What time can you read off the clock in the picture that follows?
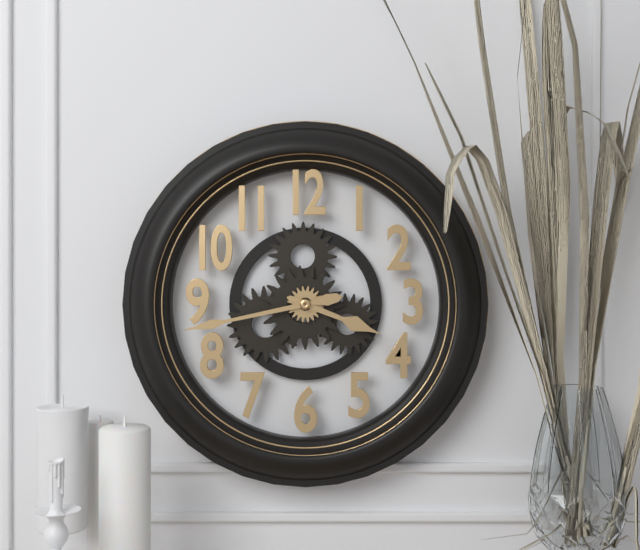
3:43
